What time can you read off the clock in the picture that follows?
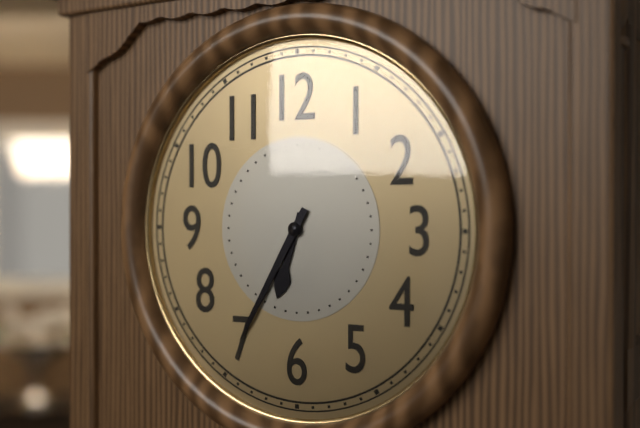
6:35
